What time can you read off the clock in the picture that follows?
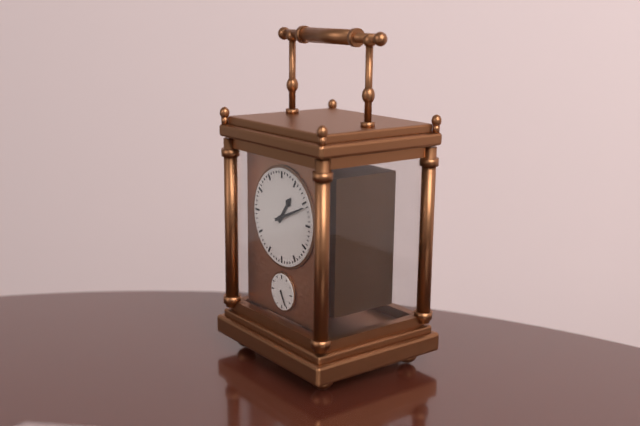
1:11
